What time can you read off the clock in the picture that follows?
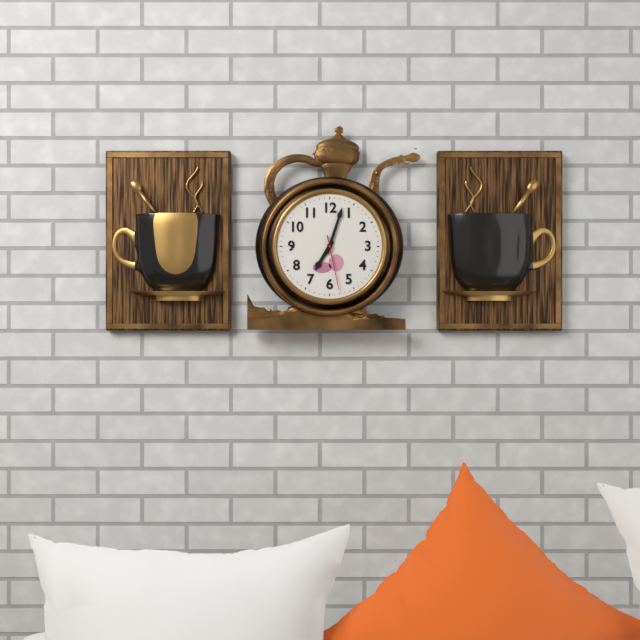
7:03:28
